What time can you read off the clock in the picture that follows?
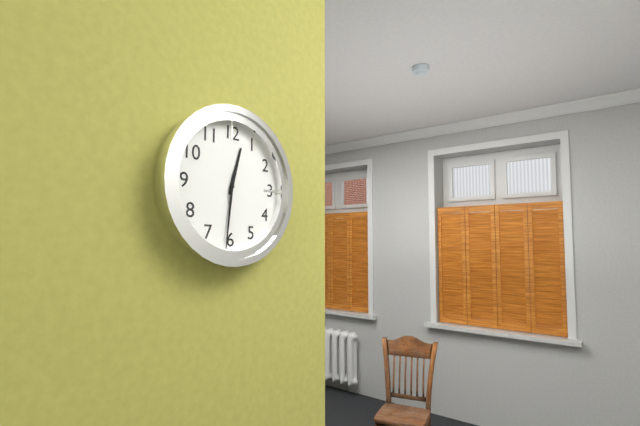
12:31
